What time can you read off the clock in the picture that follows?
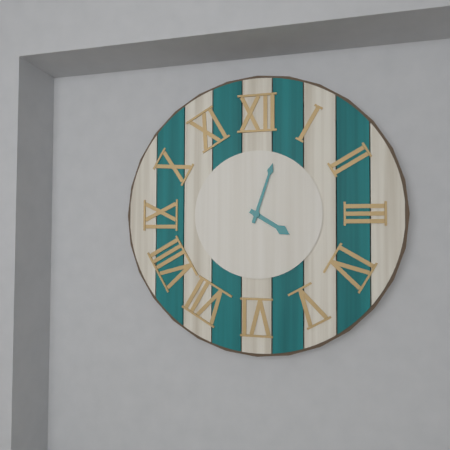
4:03
